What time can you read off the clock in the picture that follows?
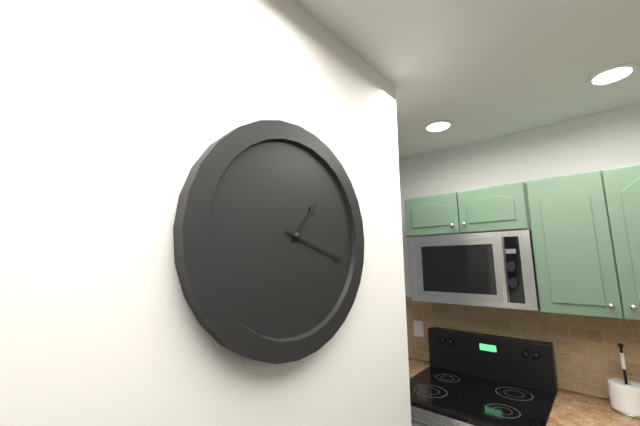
1:18
